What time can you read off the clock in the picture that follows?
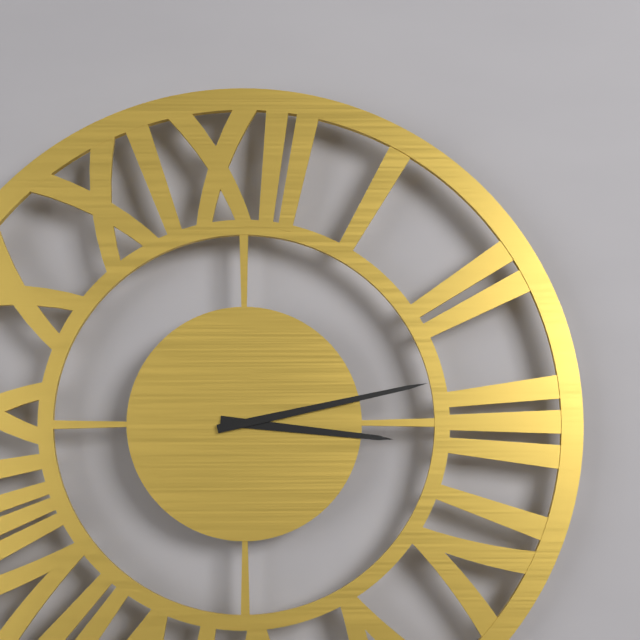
3:13
